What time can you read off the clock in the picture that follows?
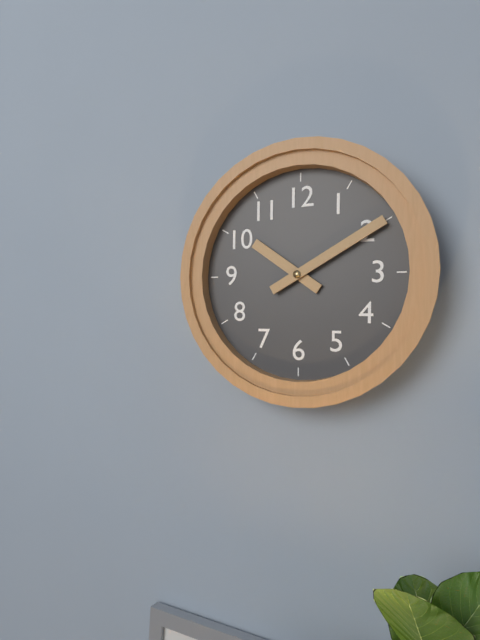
10:10
